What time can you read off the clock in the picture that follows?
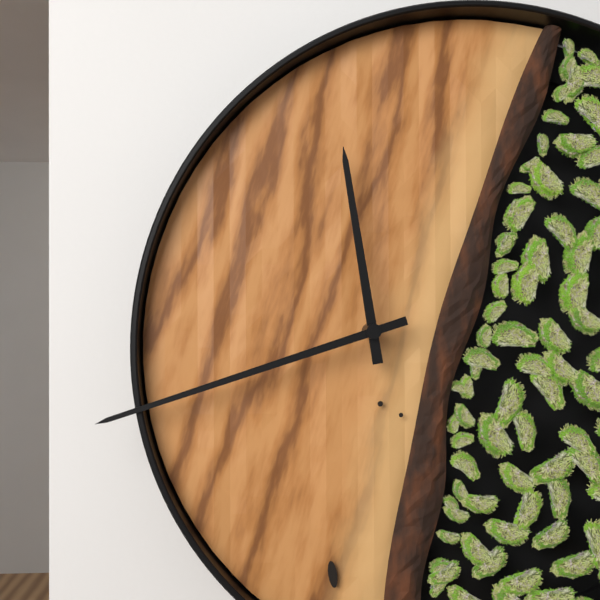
11:42
